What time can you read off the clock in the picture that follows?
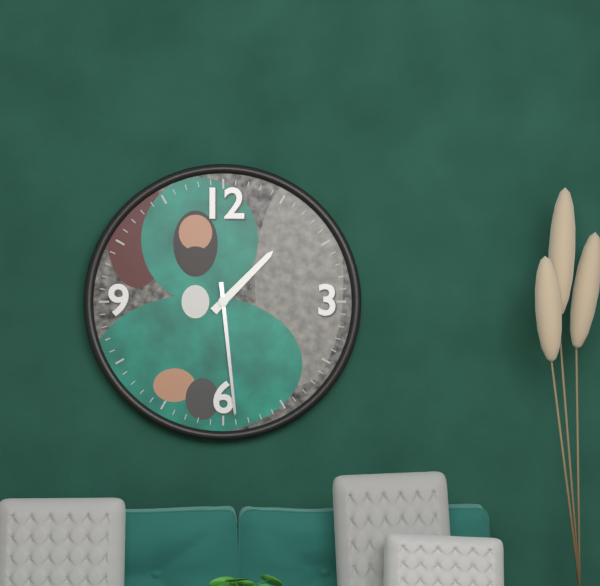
1:29
